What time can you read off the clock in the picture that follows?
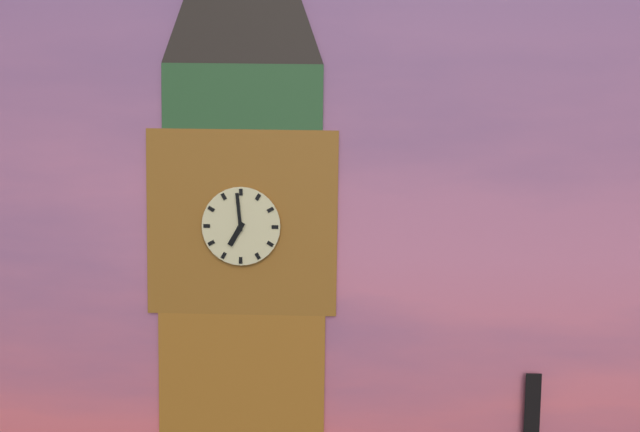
6:59
